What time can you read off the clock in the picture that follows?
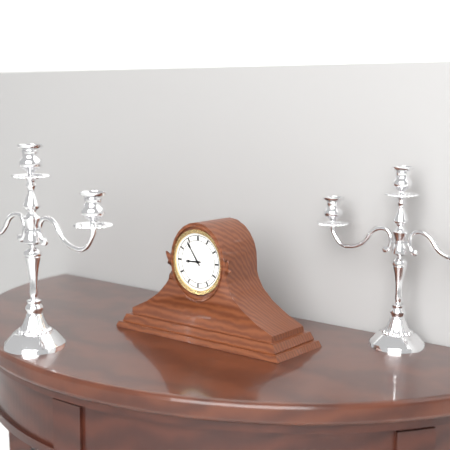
8:54
